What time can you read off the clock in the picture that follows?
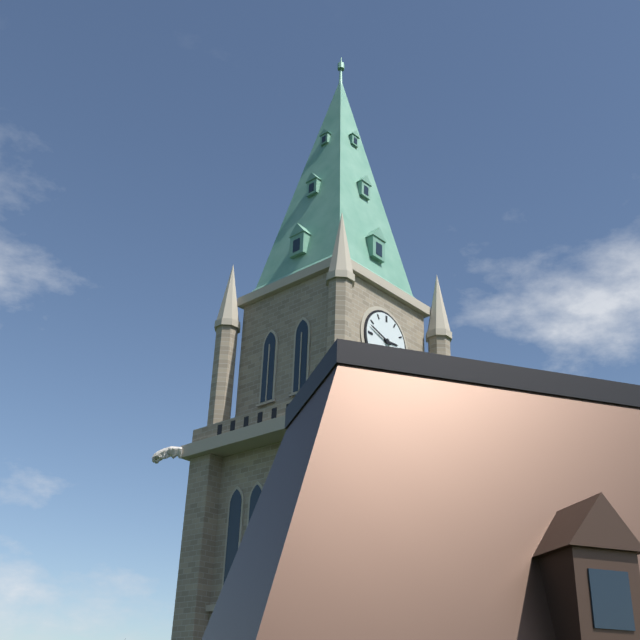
2:48
